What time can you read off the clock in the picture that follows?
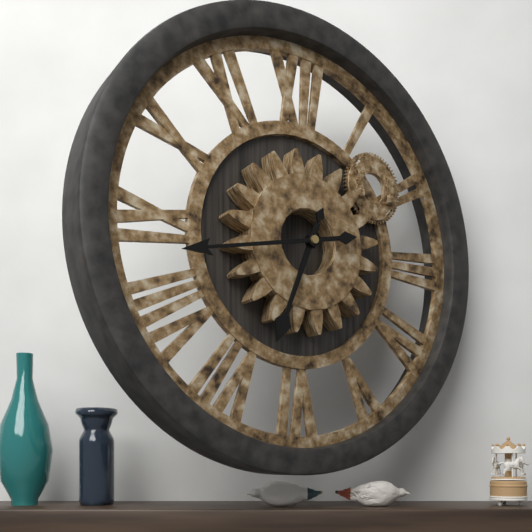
6:43
